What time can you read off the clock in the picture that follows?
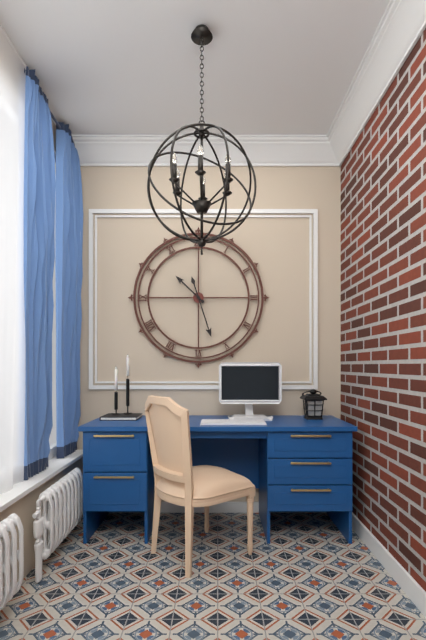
10:27
